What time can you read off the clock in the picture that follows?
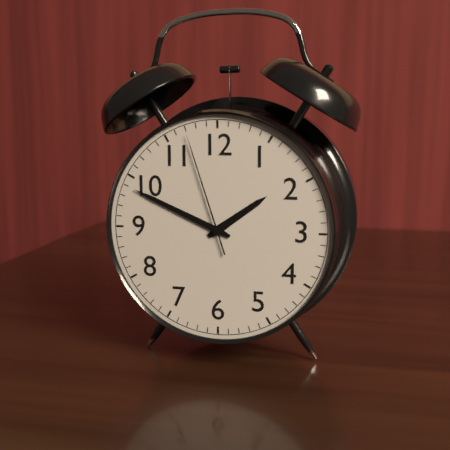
1:49:57
